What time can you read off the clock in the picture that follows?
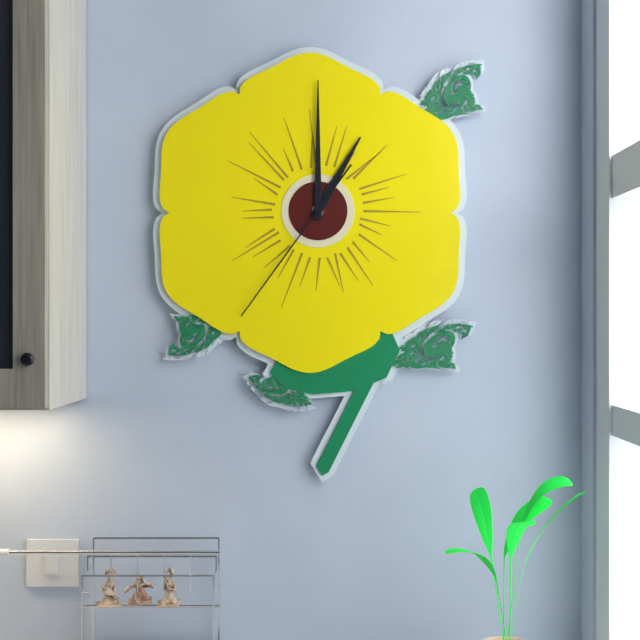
1:00:36
